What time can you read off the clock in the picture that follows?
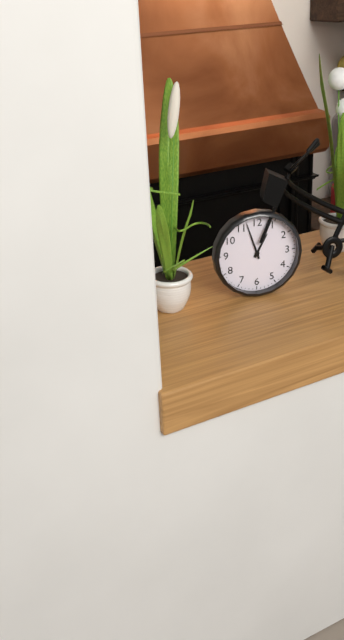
12:57
